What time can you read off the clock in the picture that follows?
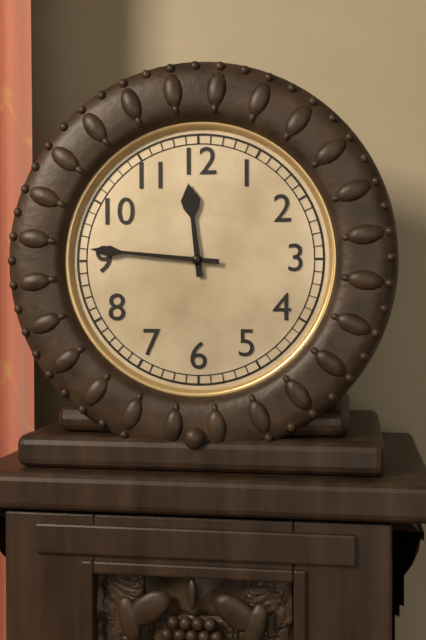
11:46
